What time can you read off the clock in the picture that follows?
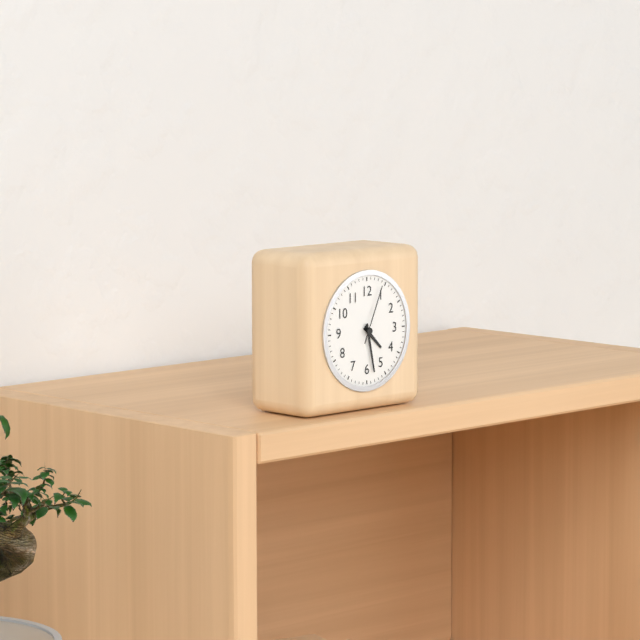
4:28:04
